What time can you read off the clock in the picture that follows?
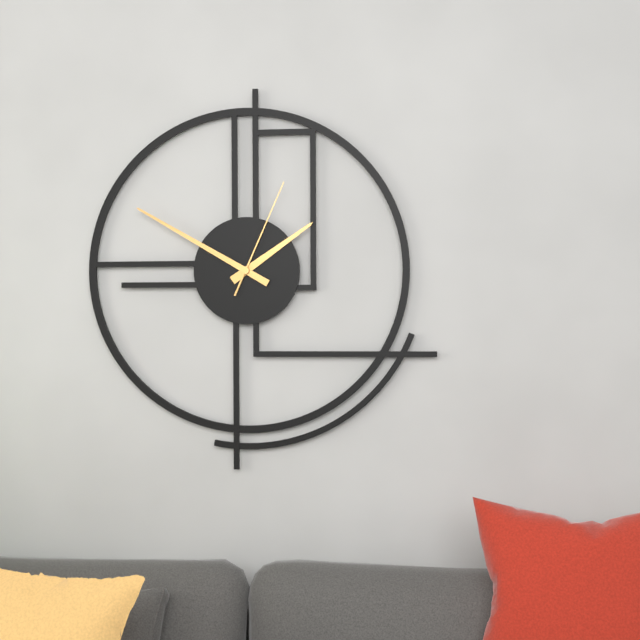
1:50:04
